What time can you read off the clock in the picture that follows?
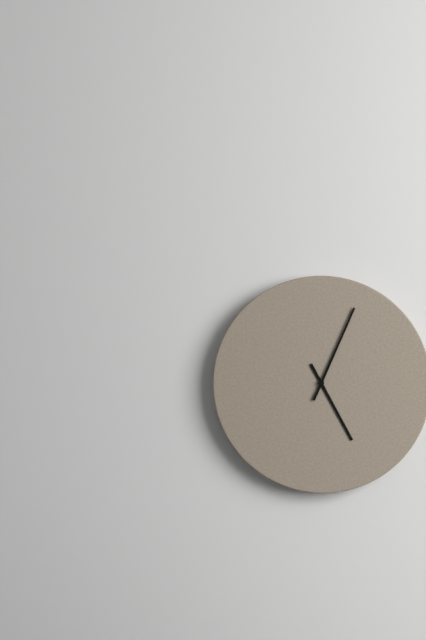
5:04
